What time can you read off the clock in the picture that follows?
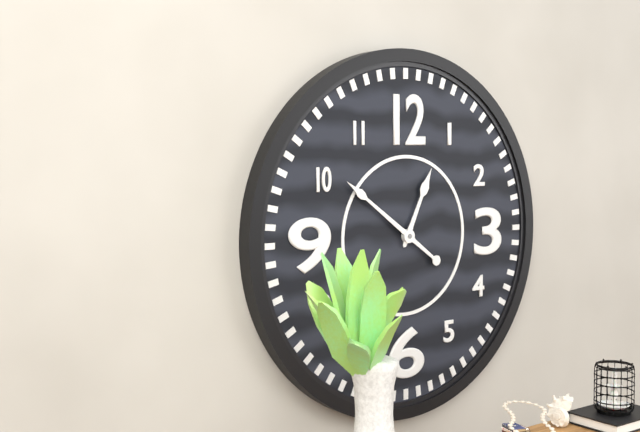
12:51
